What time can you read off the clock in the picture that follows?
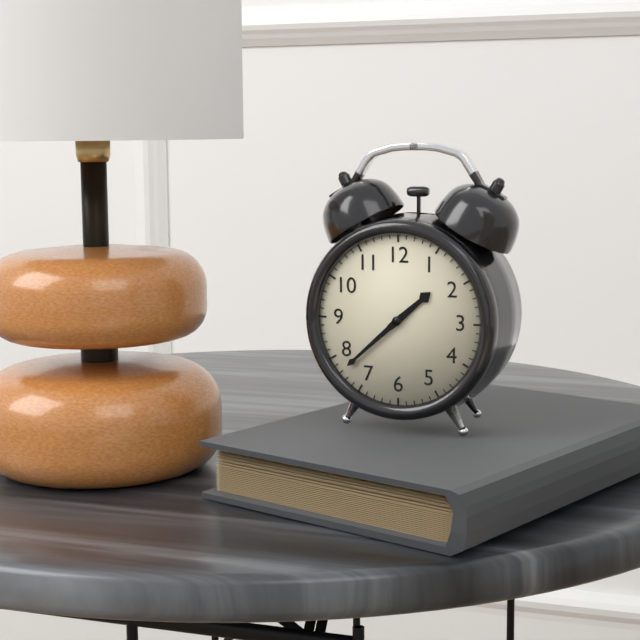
1:38
